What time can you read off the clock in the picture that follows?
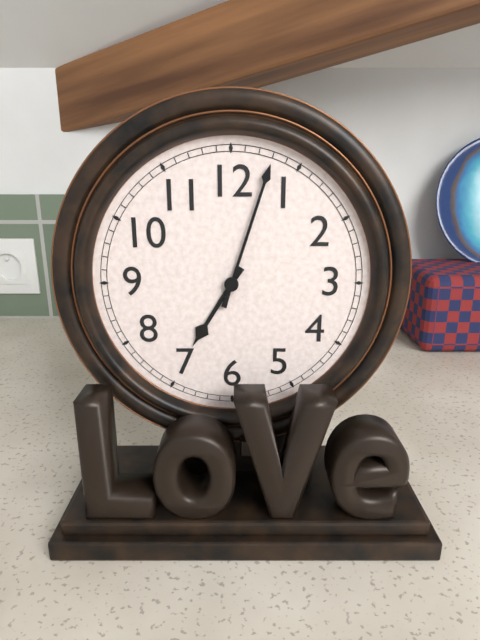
7:03
